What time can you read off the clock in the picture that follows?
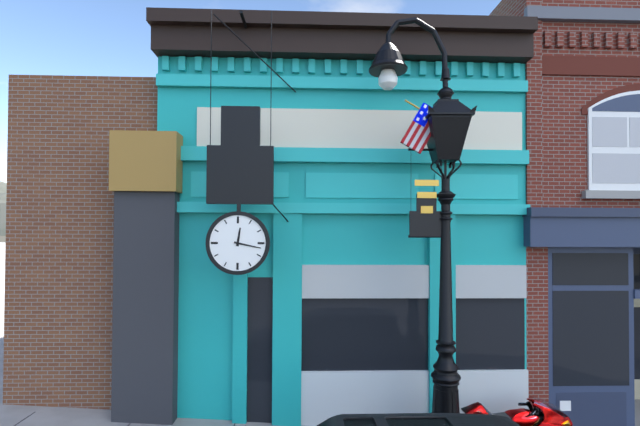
12:17
